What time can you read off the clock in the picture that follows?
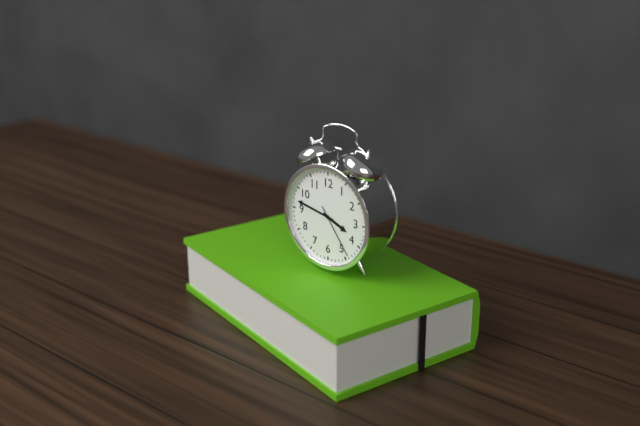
3:47:24
